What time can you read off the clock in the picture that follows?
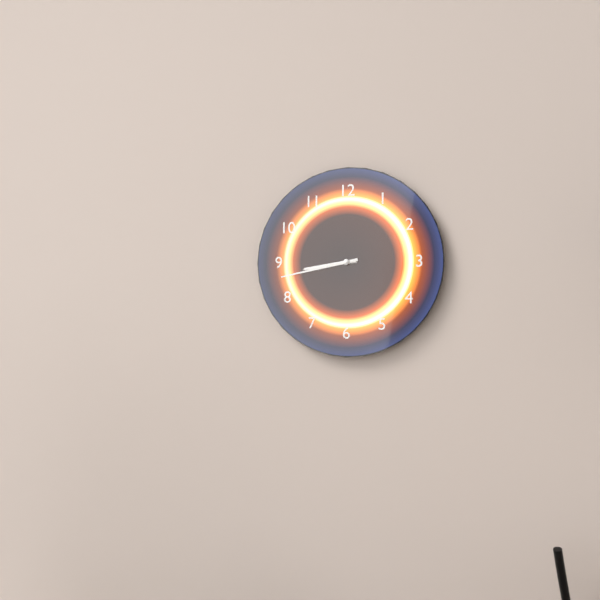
8:43
